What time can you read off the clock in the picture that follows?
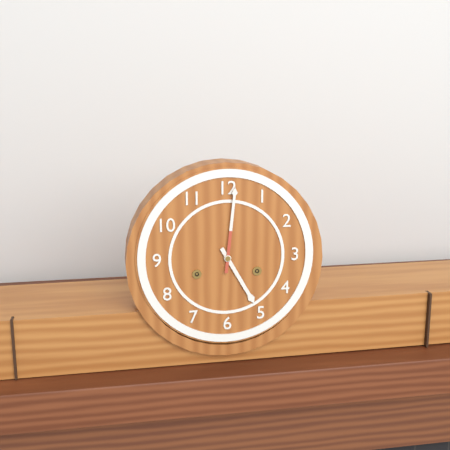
5:01
